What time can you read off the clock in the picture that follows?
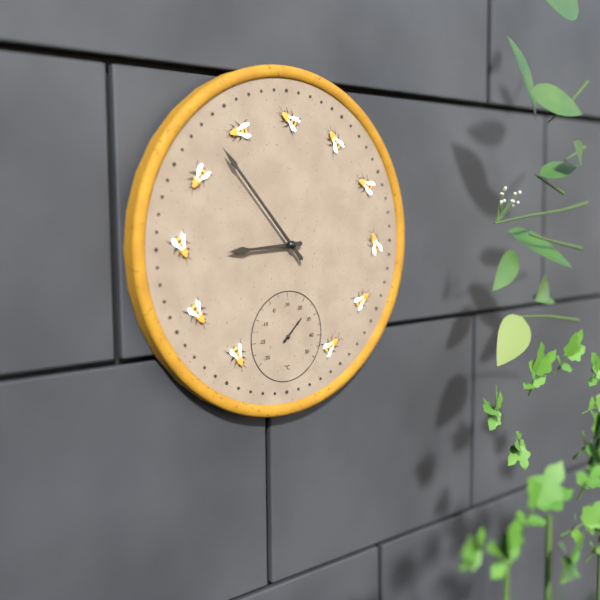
8:53
